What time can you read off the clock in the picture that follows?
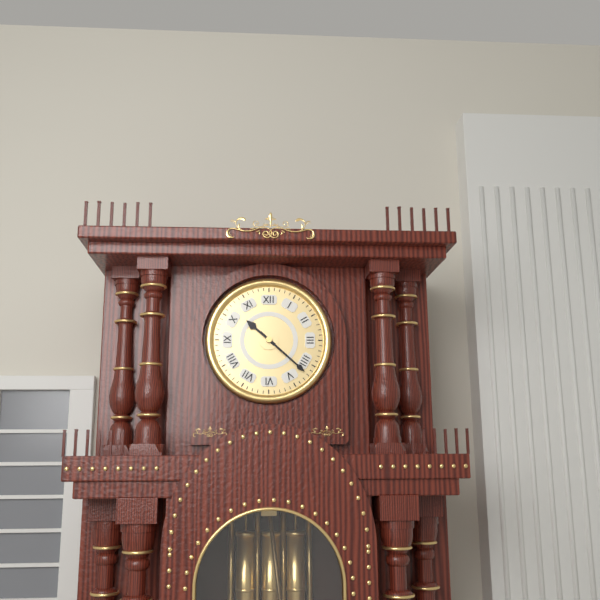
10:22
